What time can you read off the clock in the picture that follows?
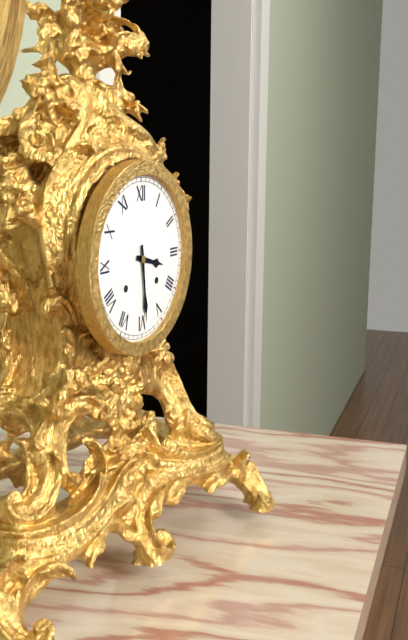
3:29
